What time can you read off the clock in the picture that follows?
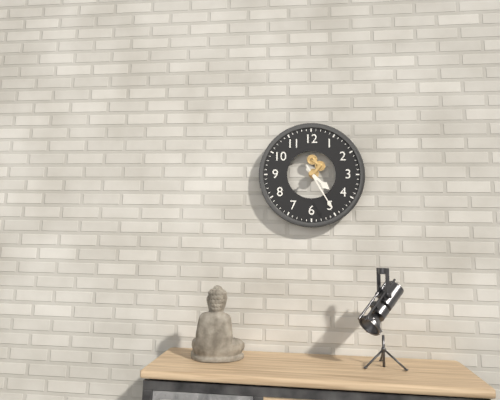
4:25
